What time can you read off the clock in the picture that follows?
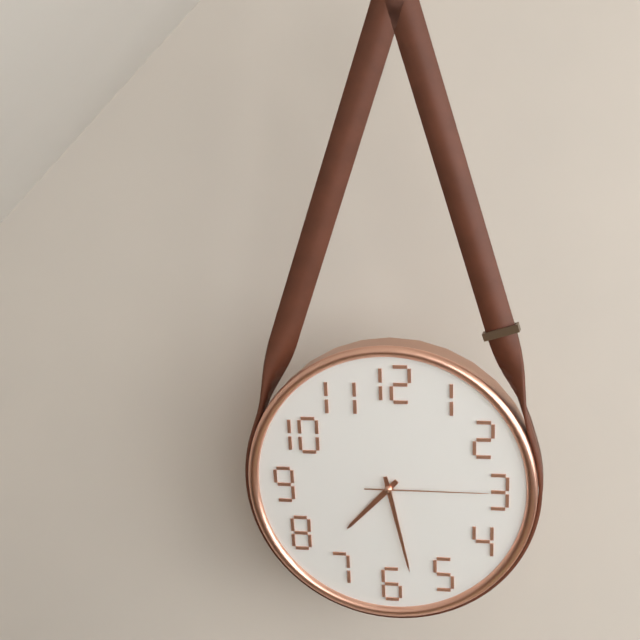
7:28:15
